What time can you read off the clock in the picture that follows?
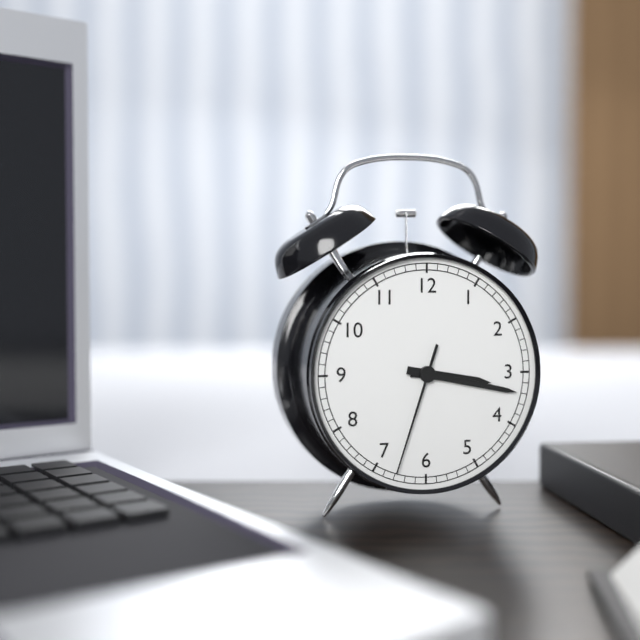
3:17:33
